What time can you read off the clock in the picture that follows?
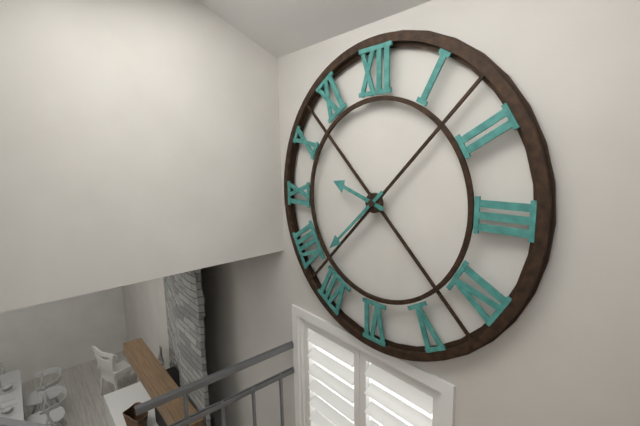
9:38
